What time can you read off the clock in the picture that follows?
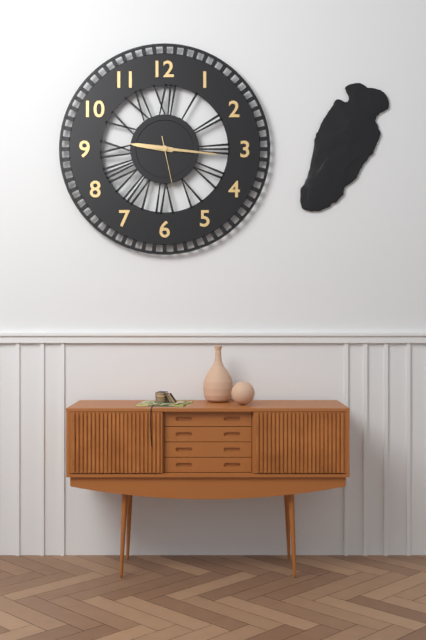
9:16:28
